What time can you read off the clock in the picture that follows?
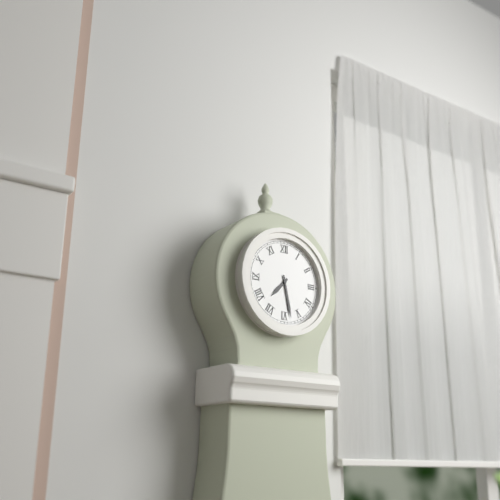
7:28
